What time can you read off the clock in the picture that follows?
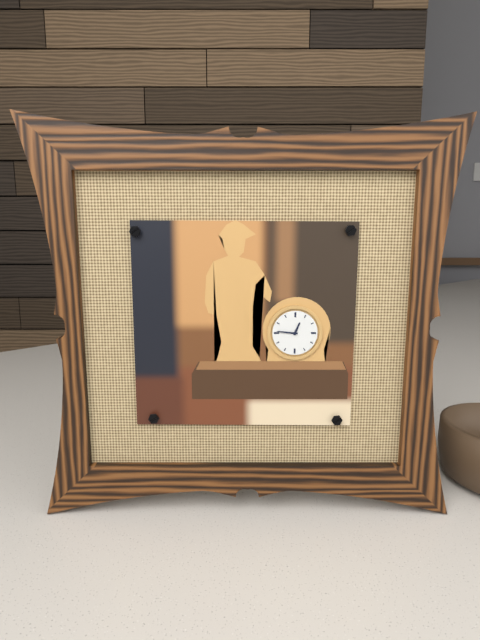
12:46
